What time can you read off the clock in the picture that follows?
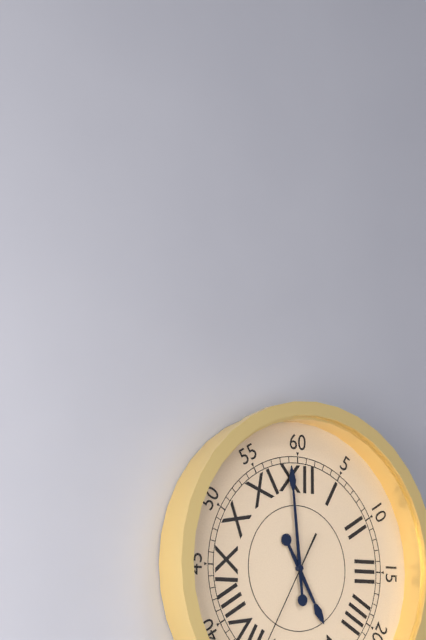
4:59
